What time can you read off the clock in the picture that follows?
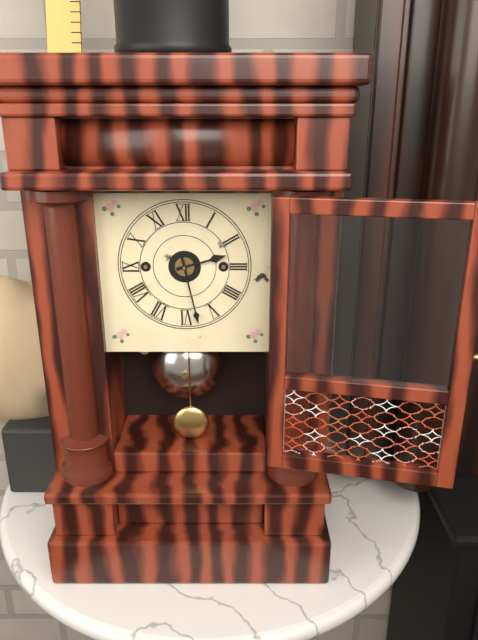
2:28
